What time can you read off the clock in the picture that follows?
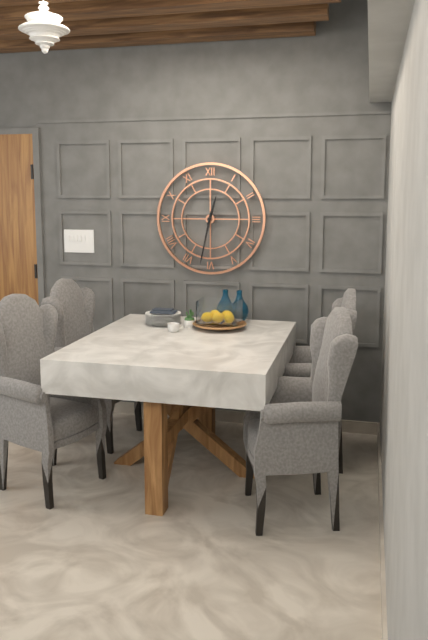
12:32
